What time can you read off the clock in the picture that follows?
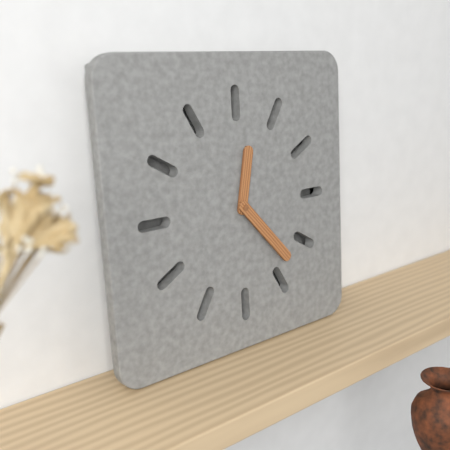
12:23
